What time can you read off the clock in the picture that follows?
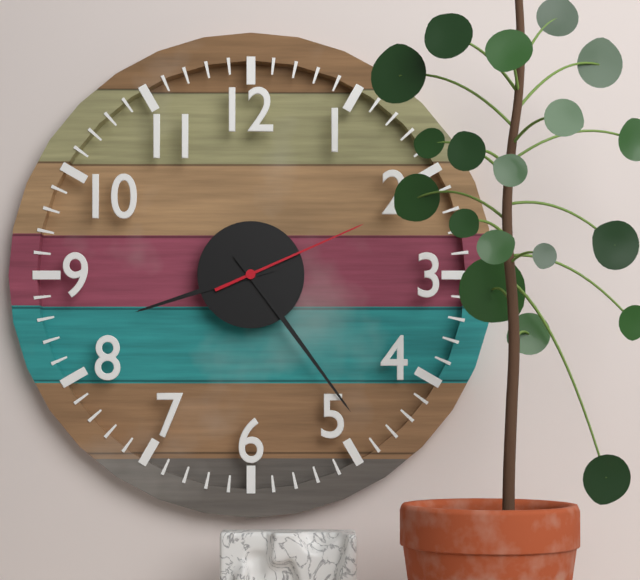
8:24:11
